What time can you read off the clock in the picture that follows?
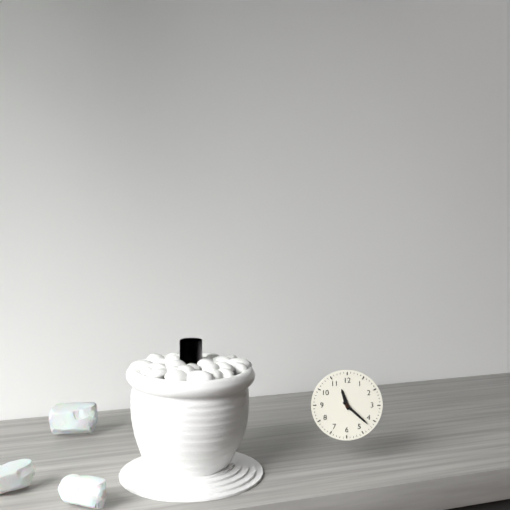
11:22
